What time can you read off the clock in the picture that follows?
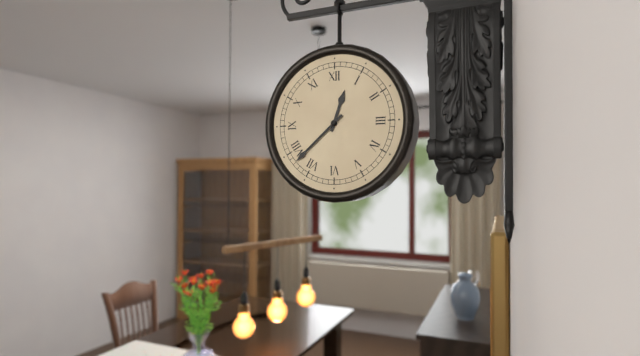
12:38
